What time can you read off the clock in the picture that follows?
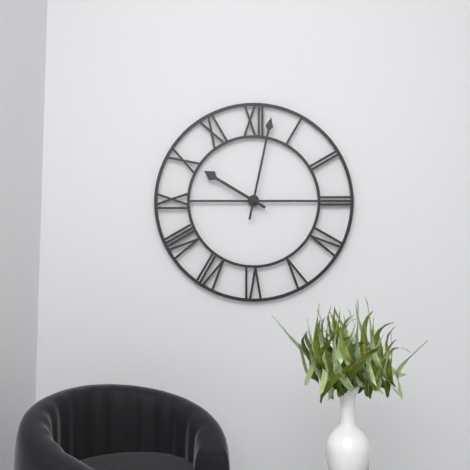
10:02
